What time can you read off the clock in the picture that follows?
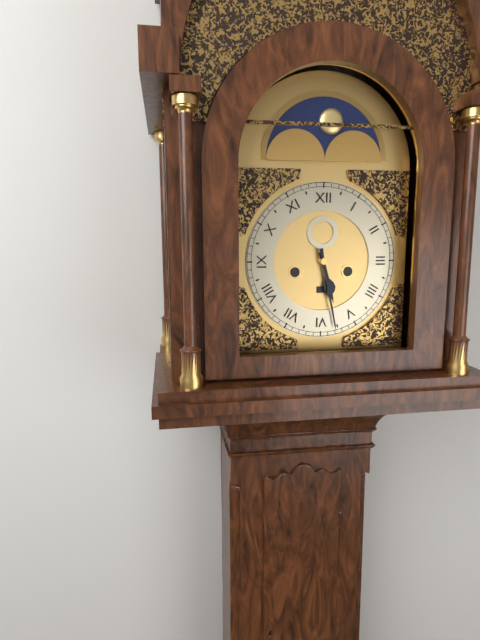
5:28
